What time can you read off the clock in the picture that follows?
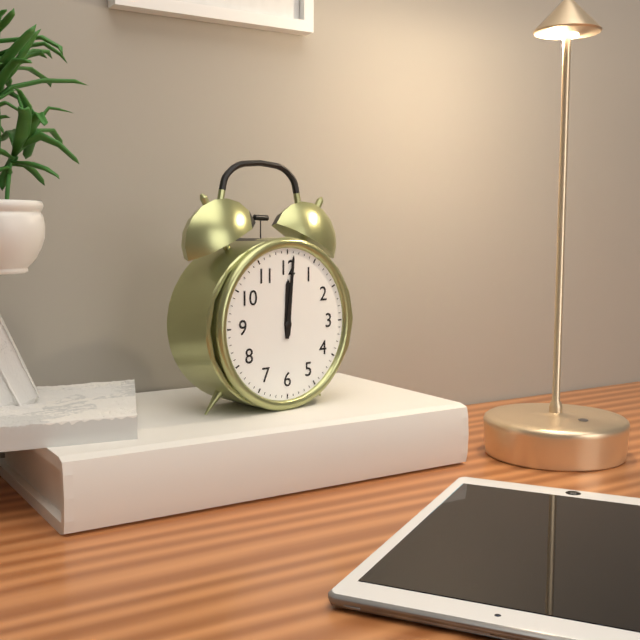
12:01
